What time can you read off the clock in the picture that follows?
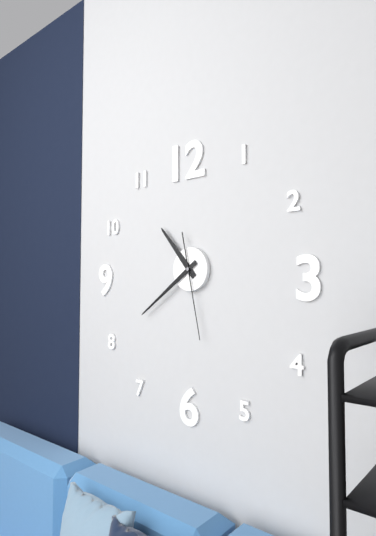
10:39:28
